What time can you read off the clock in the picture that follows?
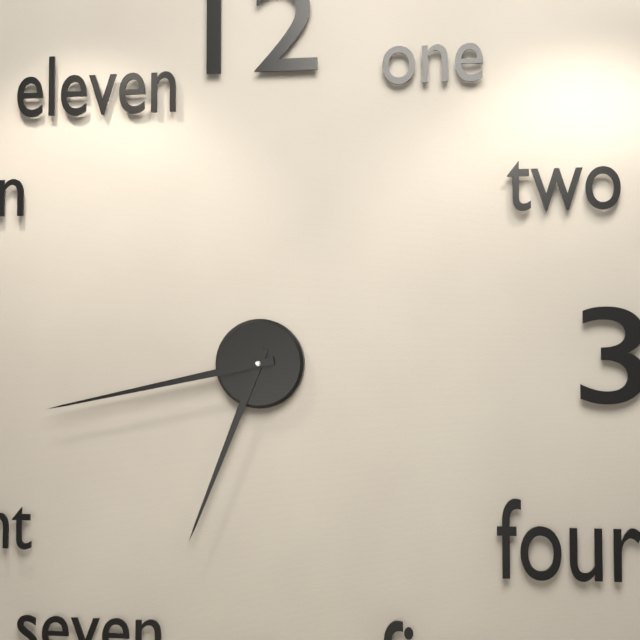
6:43
